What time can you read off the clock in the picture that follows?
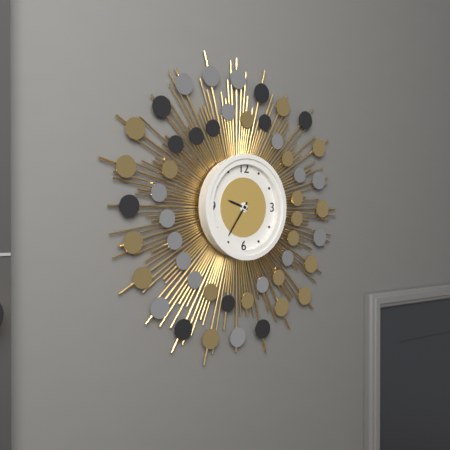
9:36
